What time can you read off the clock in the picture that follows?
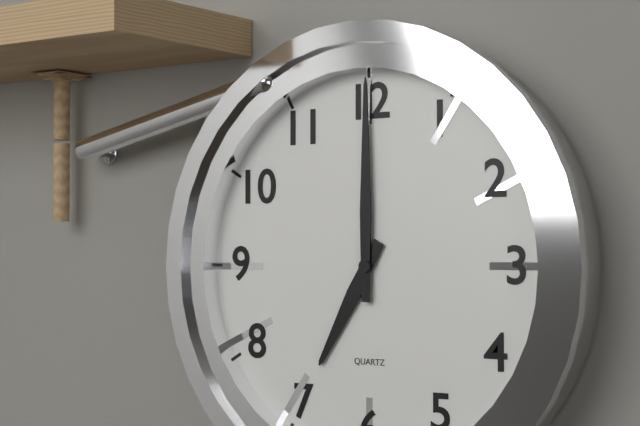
7:00
